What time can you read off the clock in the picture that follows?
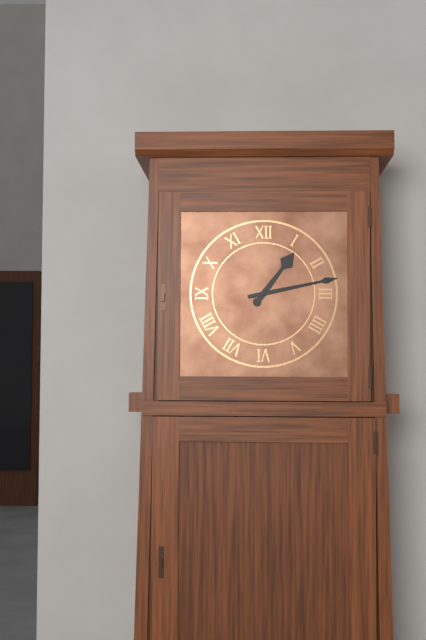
1:13
